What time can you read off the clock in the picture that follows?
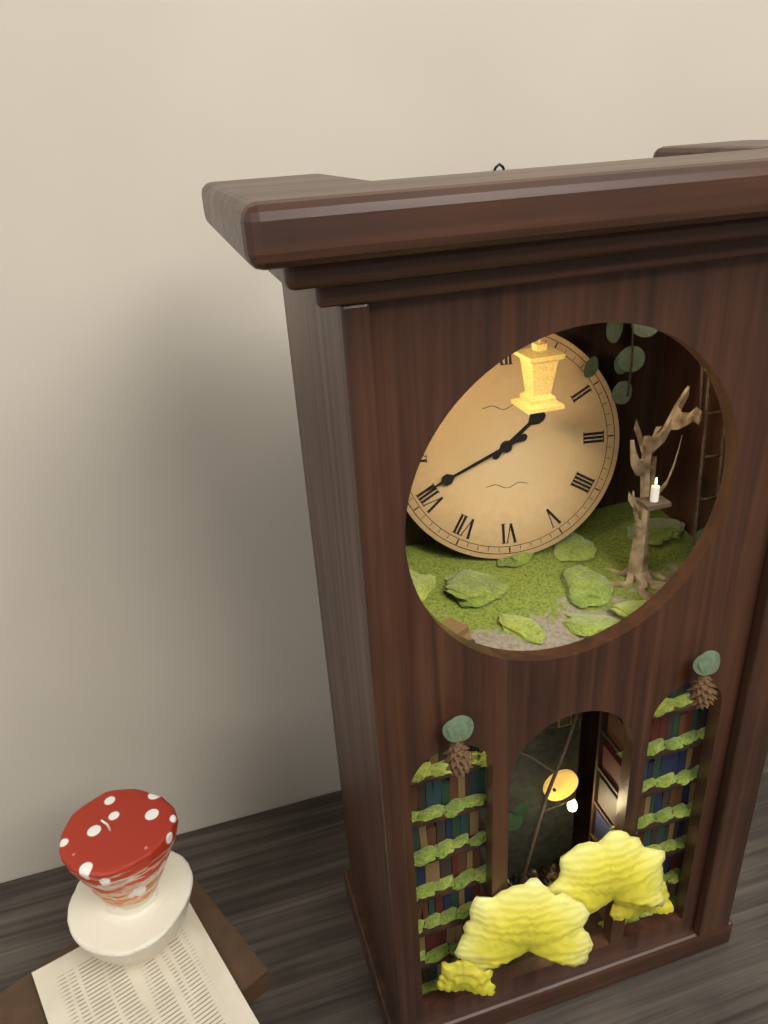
1:41
